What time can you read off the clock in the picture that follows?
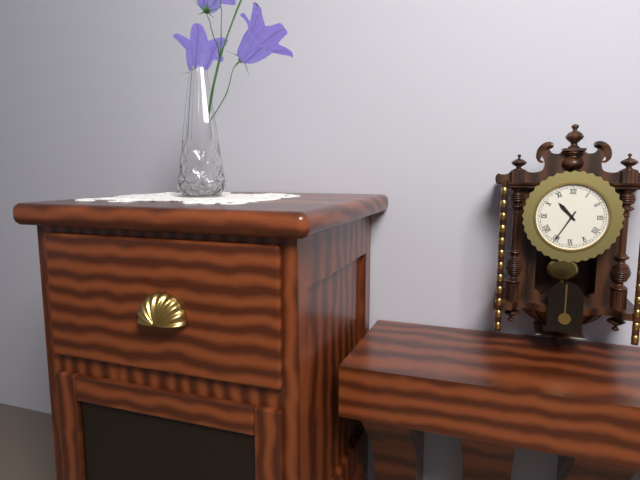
10:35
